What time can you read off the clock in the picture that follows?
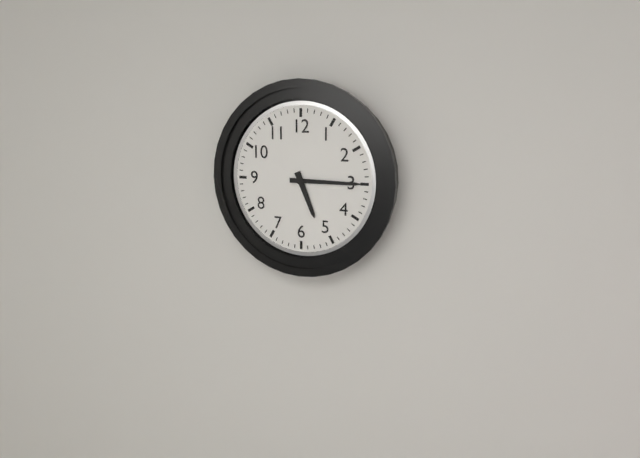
5:15
